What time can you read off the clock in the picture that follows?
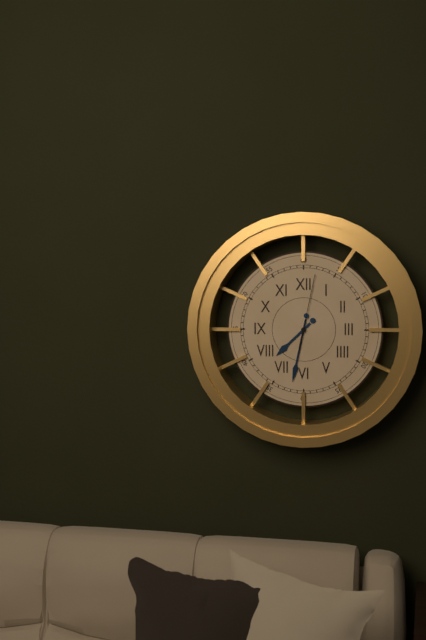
7:32:02
